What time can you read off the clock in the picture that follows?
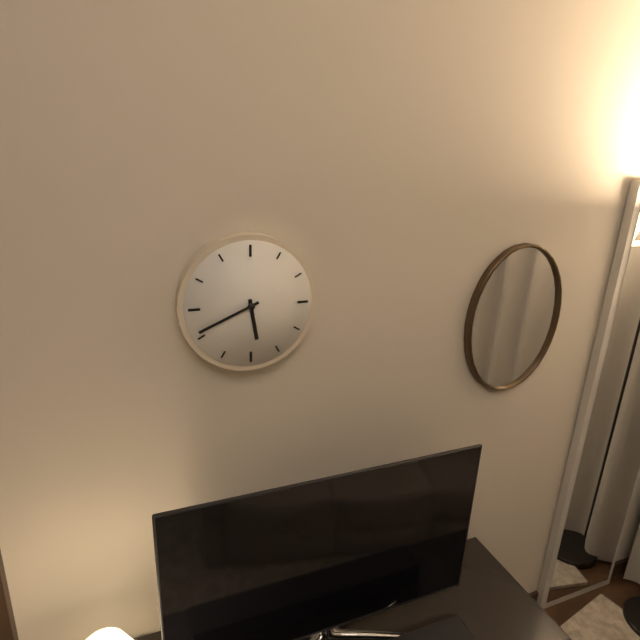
5:41
